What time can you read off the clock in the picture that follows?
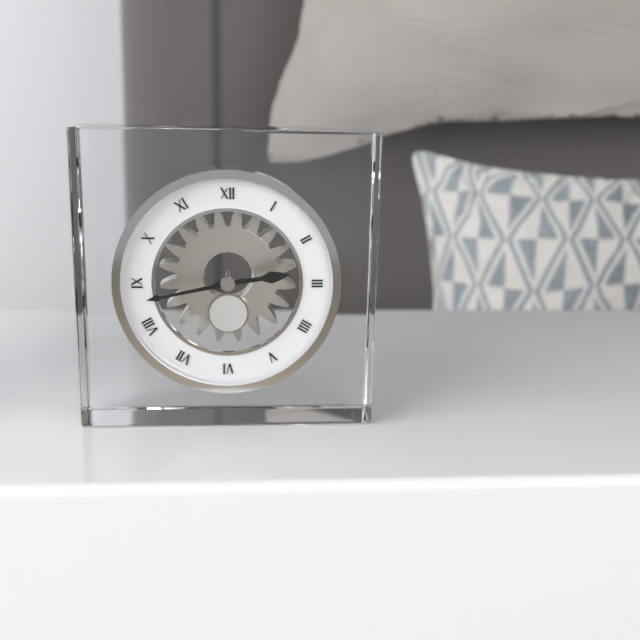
2:43
